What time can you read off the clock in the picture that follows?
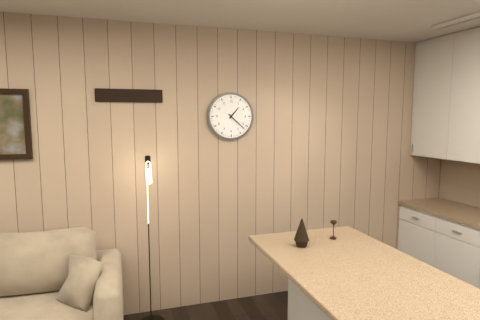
1:22
